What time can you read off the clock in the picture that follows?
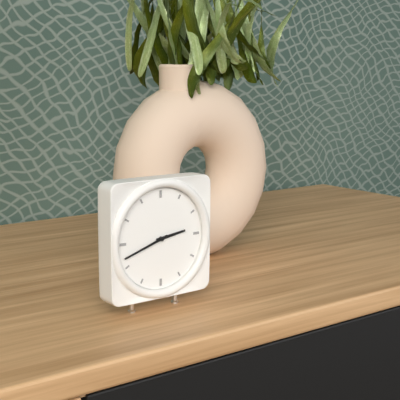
2:42
